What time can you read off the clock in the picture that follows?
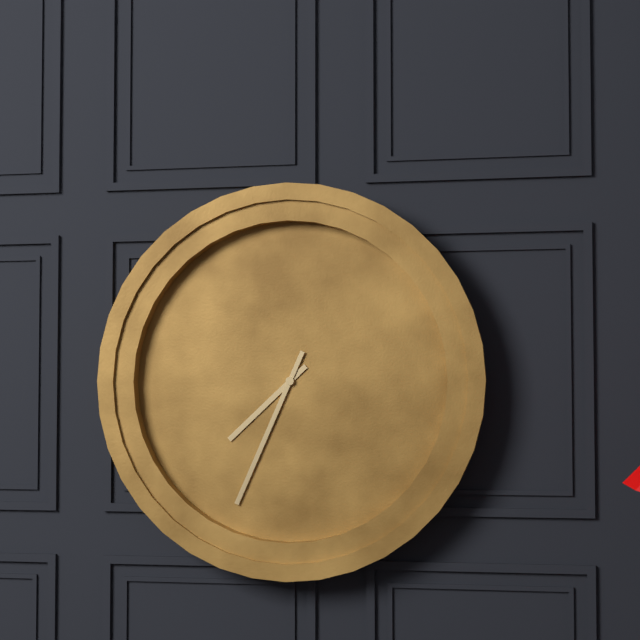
7:34
